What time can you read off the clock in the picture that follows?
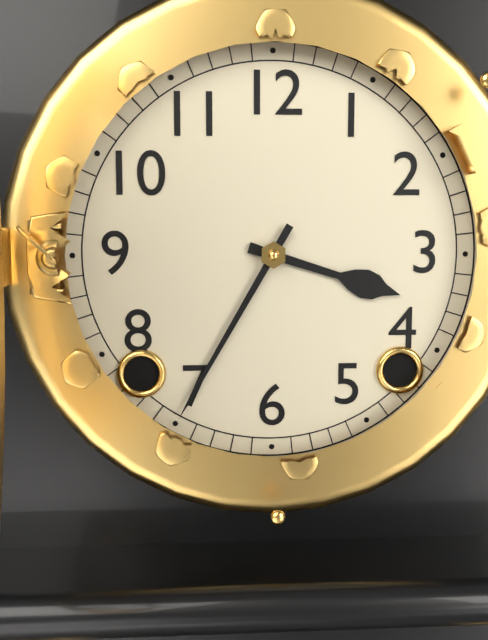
3:35
